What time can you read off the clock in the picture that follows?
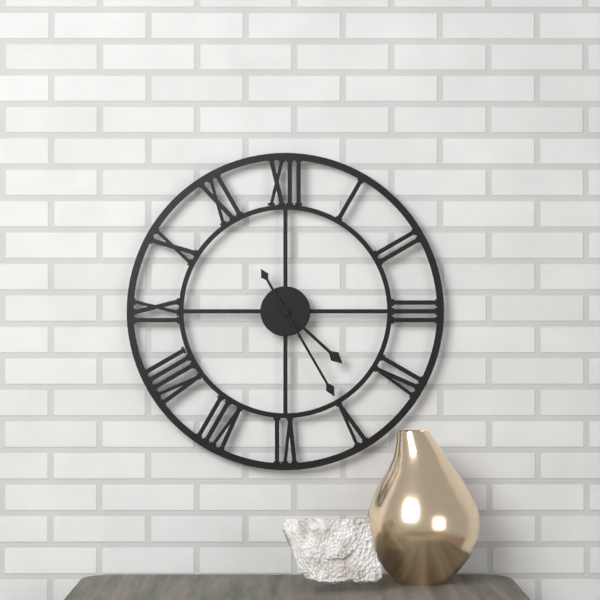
4:25
